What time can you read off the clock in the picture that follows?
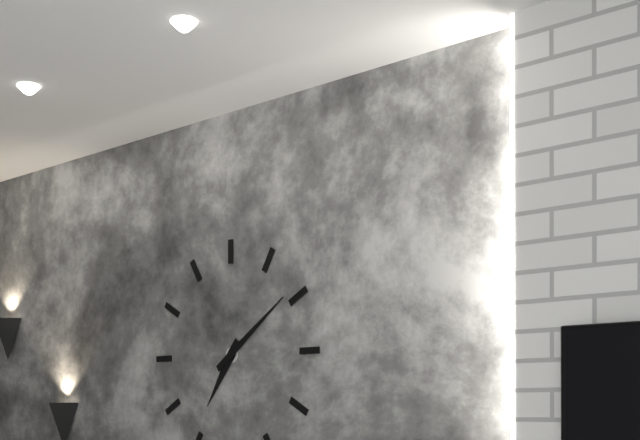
7:09
